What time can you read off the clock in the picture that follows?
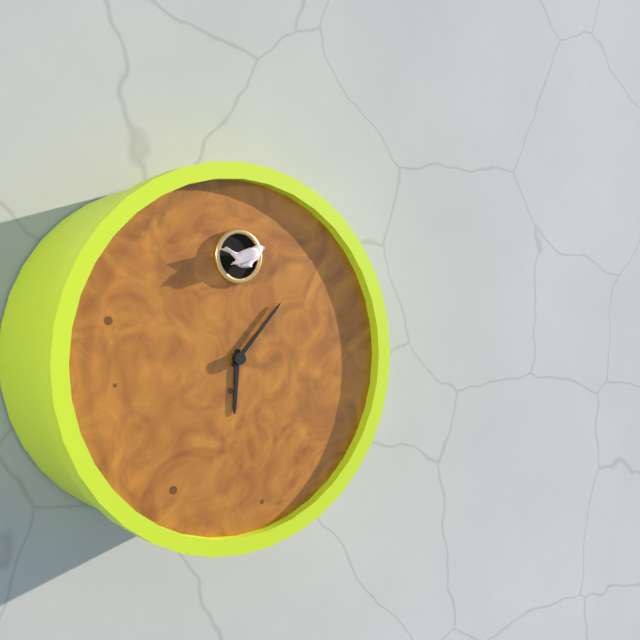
6:07
